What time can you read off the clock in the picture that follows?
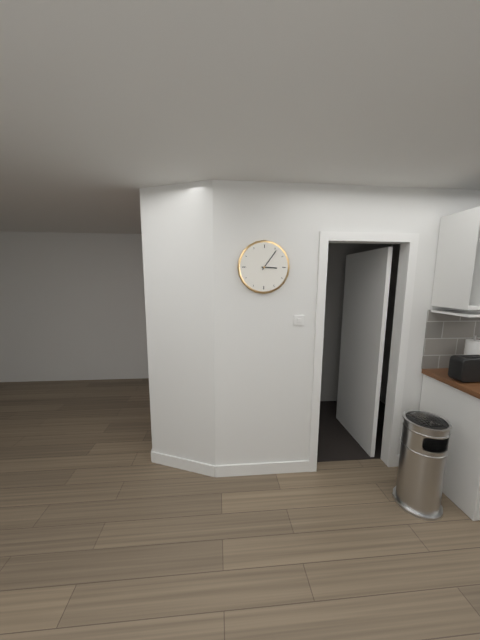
3:06
